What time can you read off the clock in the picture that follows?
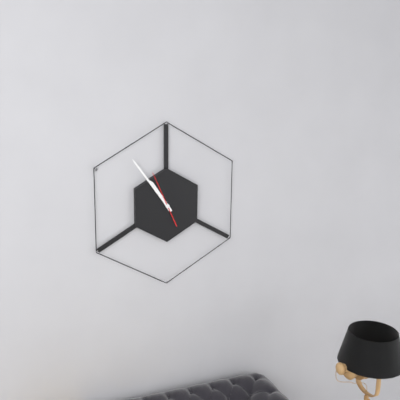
10:54
